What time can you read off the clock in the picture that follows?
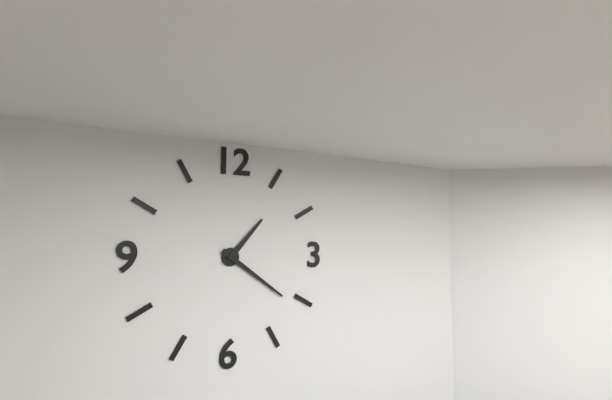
1:21
